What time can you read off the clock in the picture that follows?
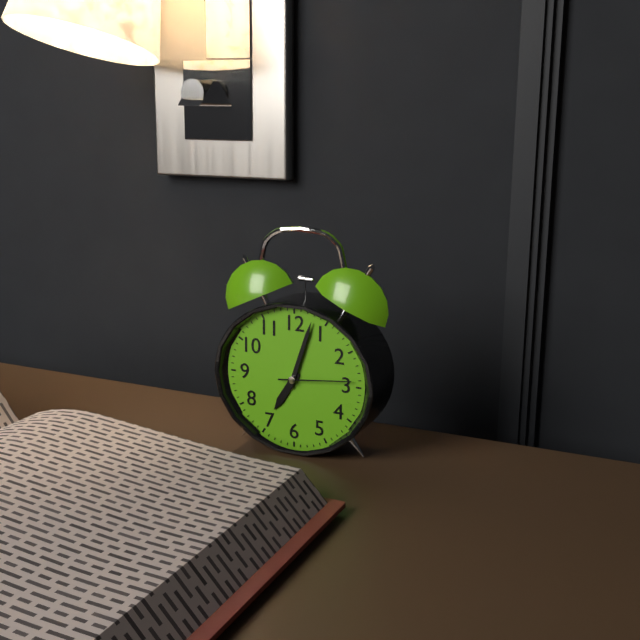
7:03:14
